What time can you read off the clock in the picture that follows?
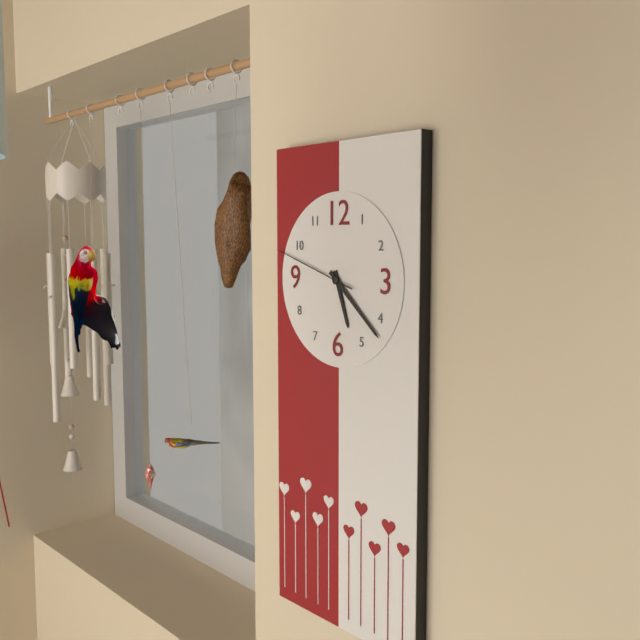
5:22:48
